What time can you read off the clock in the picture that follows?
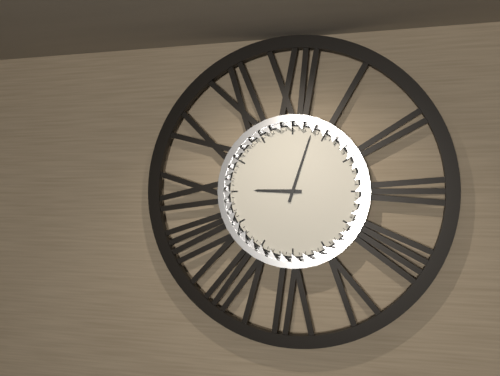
9:03
